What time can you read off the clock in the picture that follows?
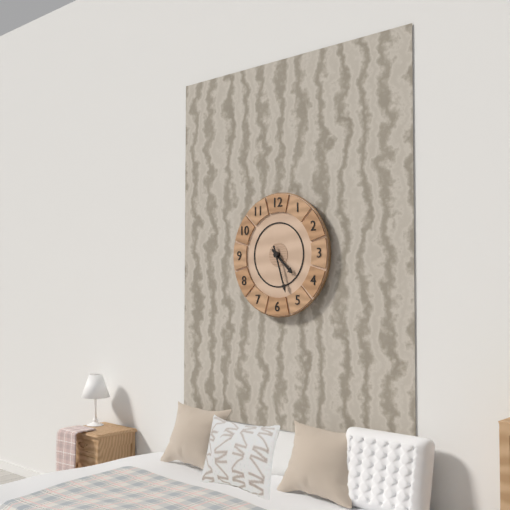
4:27
